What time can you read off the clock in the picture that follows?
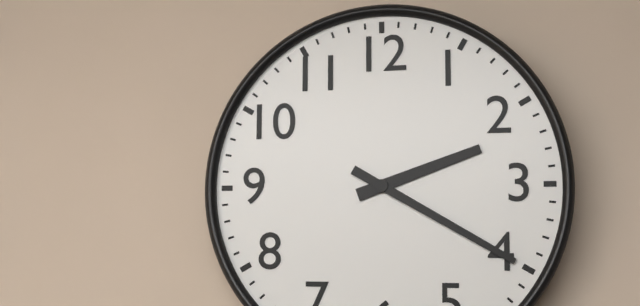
2:20
